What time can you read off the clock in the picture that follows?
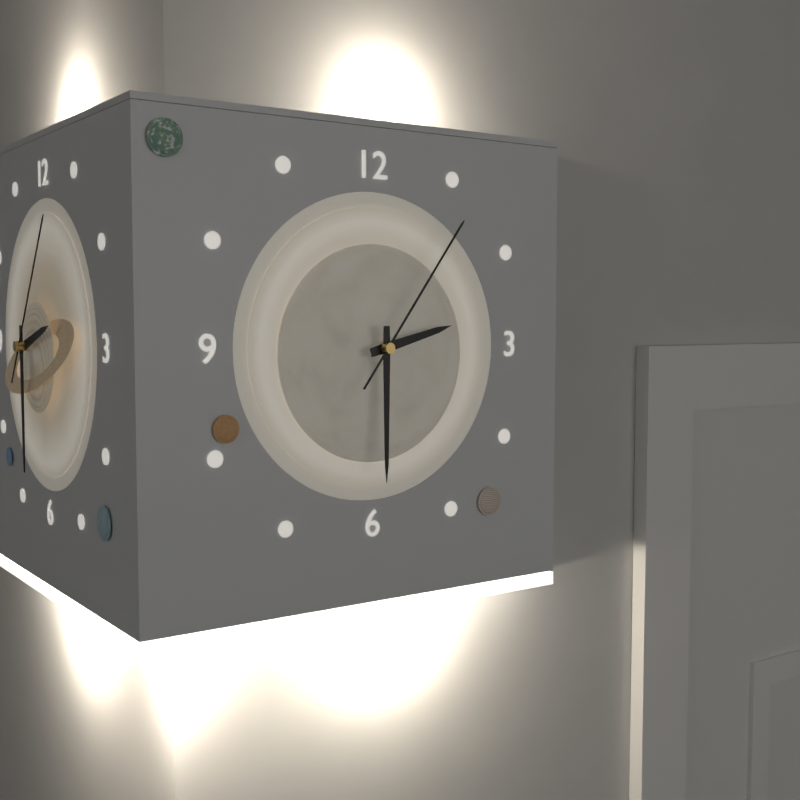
2:30:06
